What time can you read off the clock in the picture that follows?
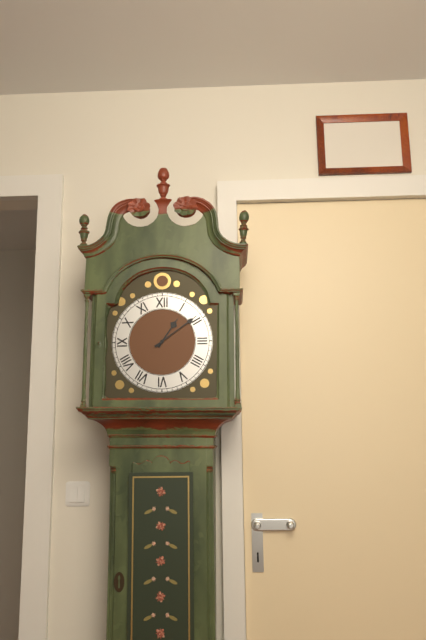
1:09
